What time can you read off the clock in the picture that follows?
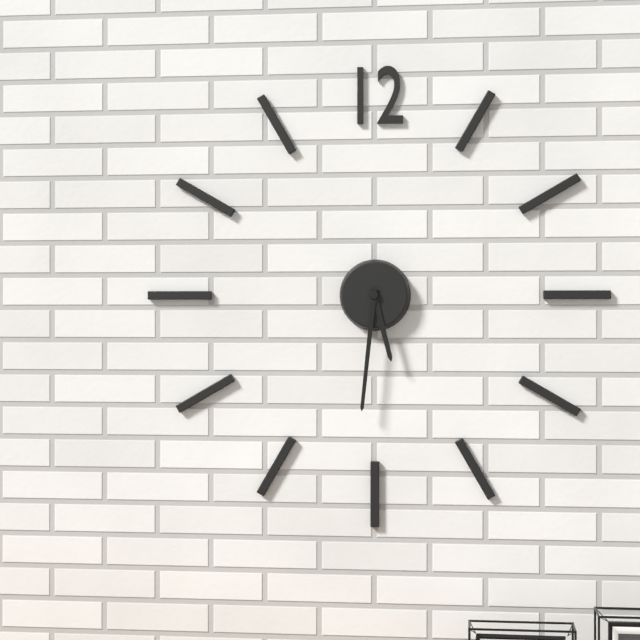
5:31
